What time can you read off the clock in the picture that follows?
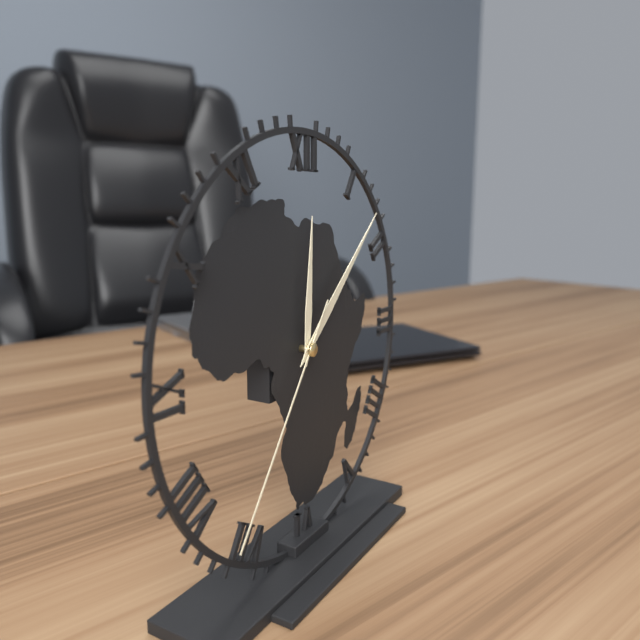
12:08:36
